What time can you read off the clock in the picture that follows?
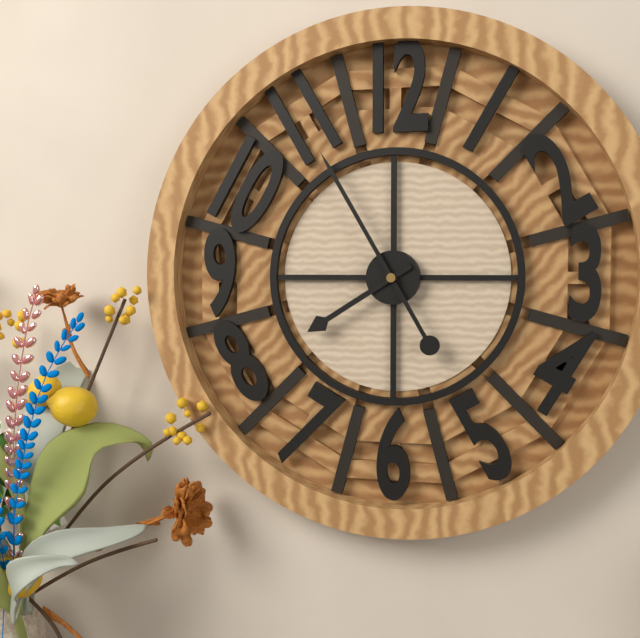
7:55
